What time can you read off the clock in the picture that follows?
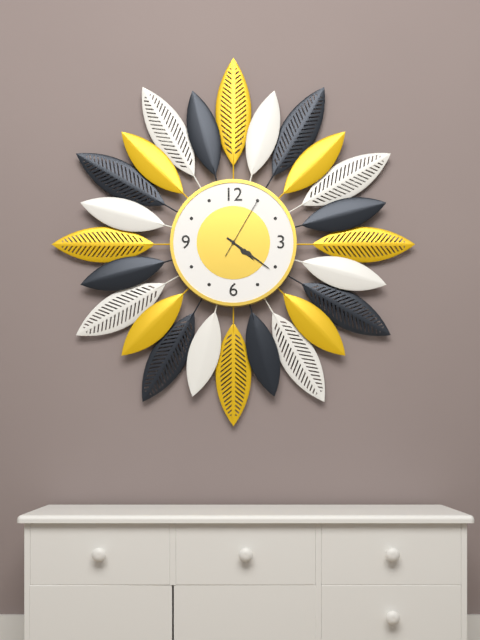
4:21:05
